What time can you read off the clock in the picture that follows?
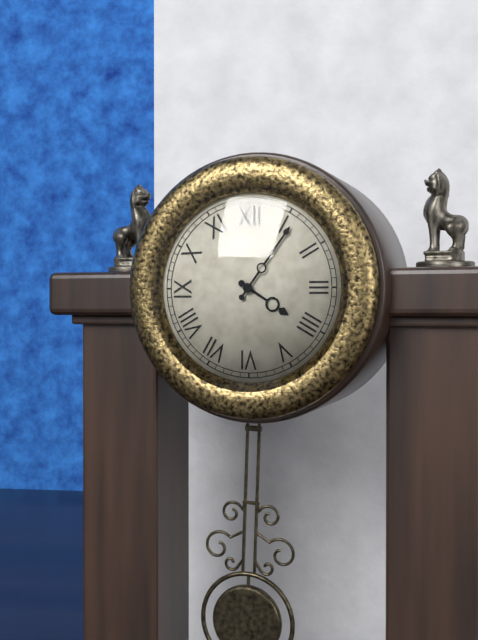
4:06
